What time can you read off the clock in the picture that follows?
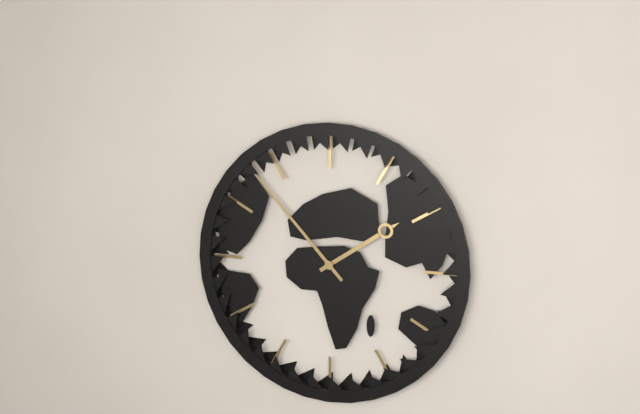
1:53
